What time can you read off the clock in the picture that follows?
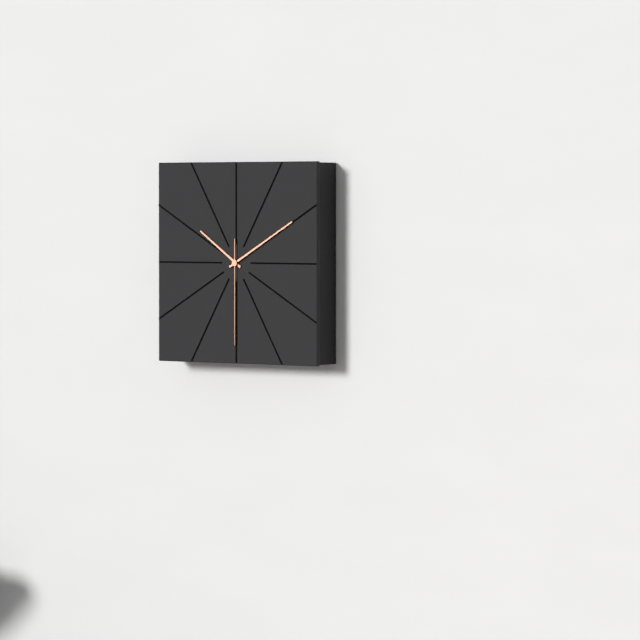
10:10:30
